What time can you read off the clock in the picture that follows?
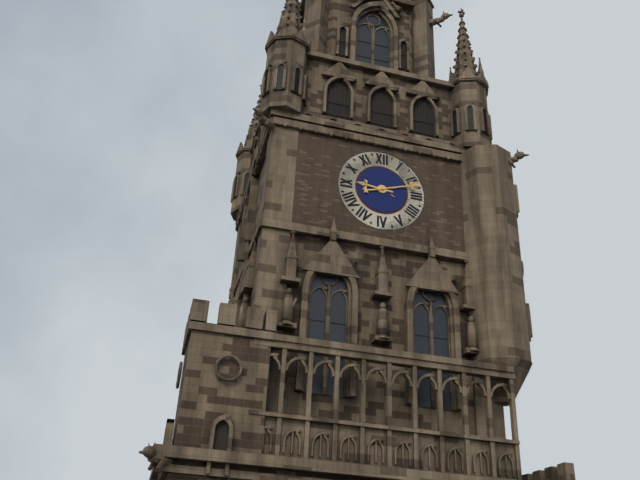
9:12
